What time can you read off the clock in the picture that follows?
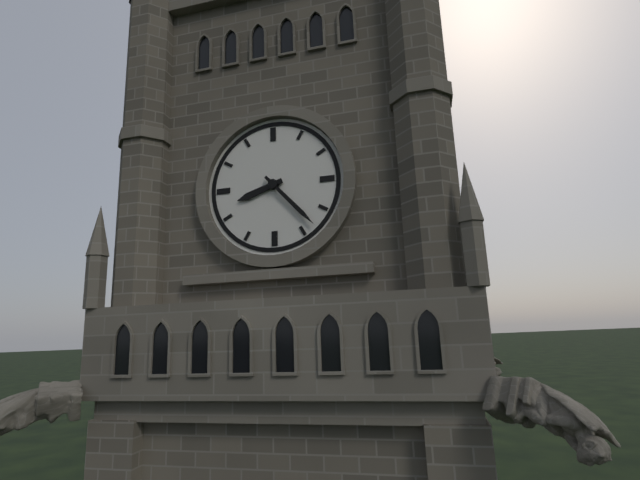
8:23
